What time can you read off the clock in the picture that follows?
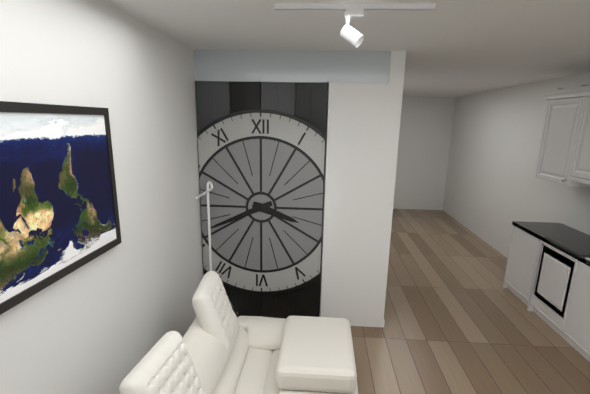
3:41
